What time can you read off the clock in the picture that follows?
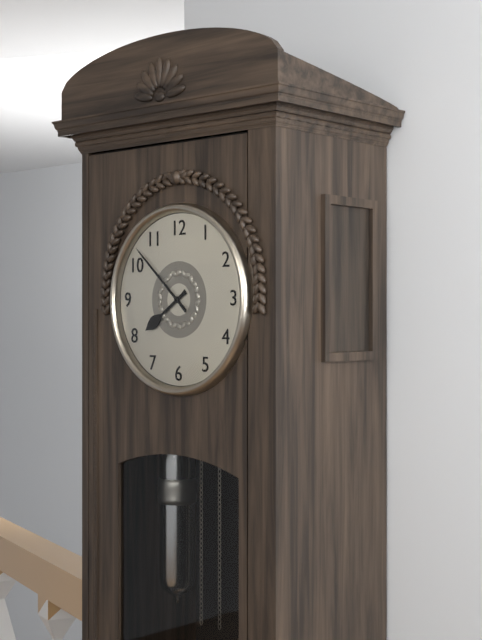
7:52
